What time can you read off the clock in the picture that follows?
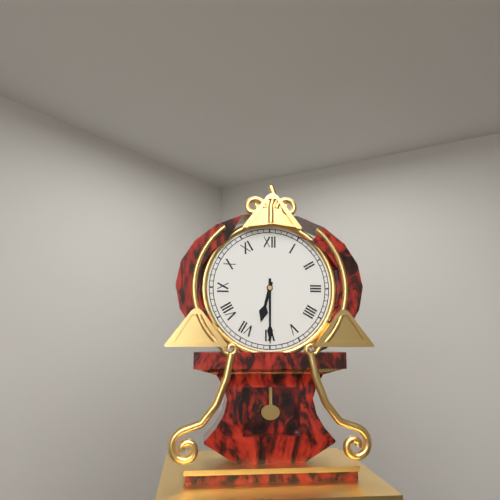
6:30
